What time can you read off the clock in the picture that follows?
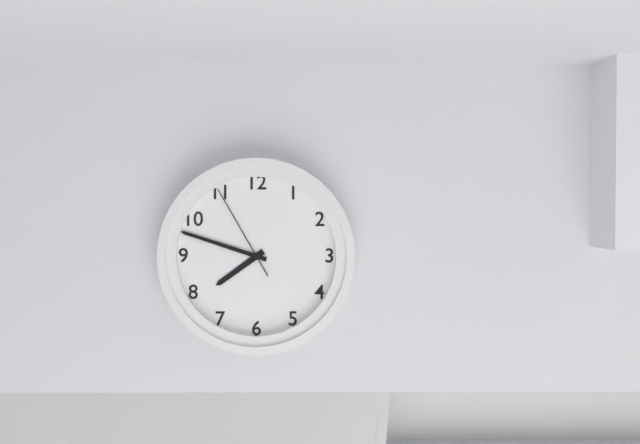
7:48:55
